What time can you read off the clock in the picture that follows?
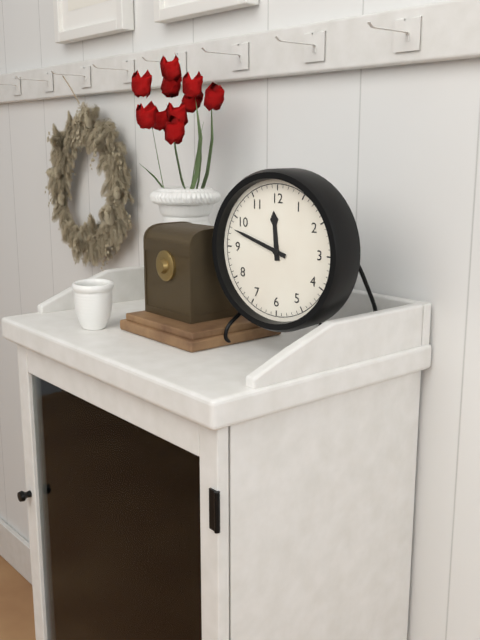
11:48
